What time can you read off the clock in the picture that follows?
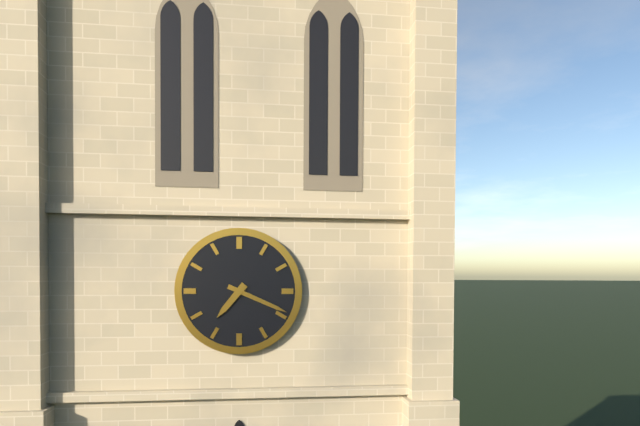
7:19
